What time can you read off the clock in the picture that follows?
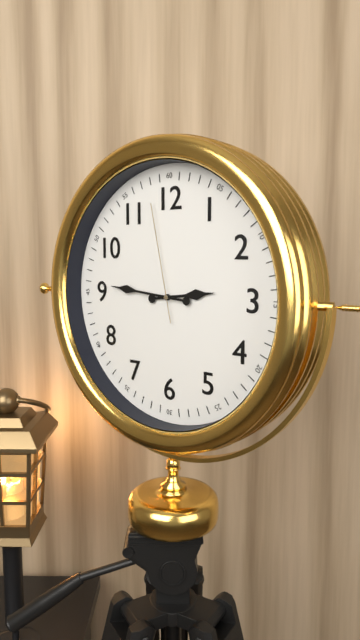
2:46:58
